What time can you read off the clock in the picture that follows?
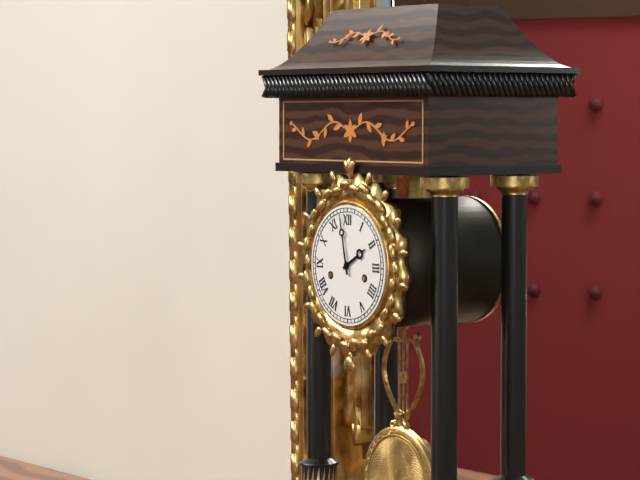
1:58
